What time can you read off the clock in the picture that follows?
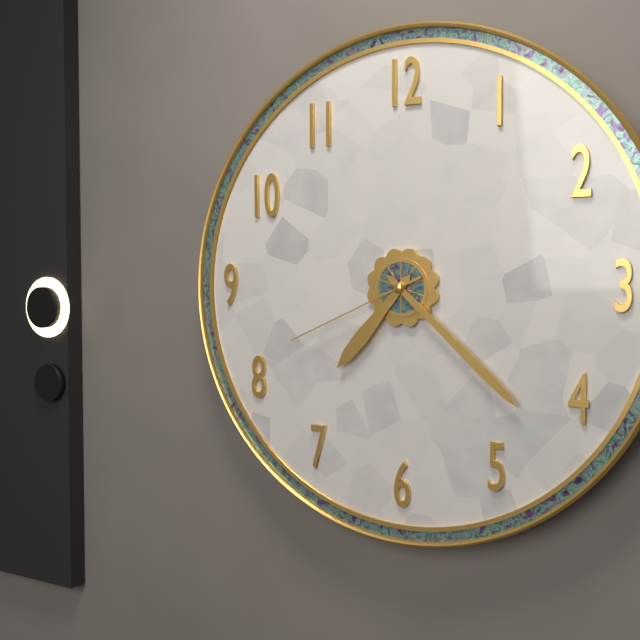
7:22:41
